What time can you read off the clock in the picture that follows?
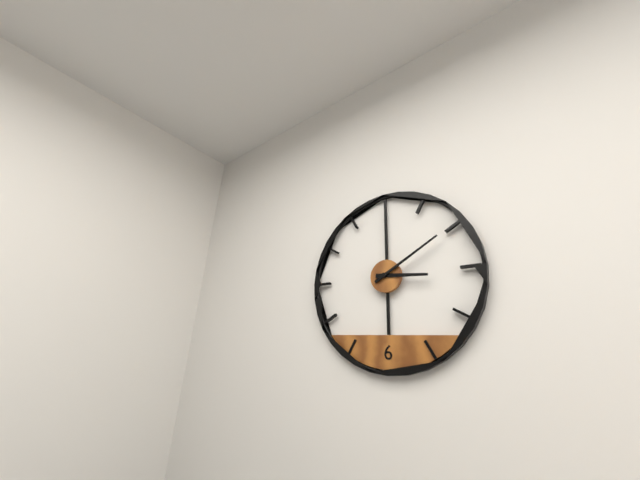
3:10
